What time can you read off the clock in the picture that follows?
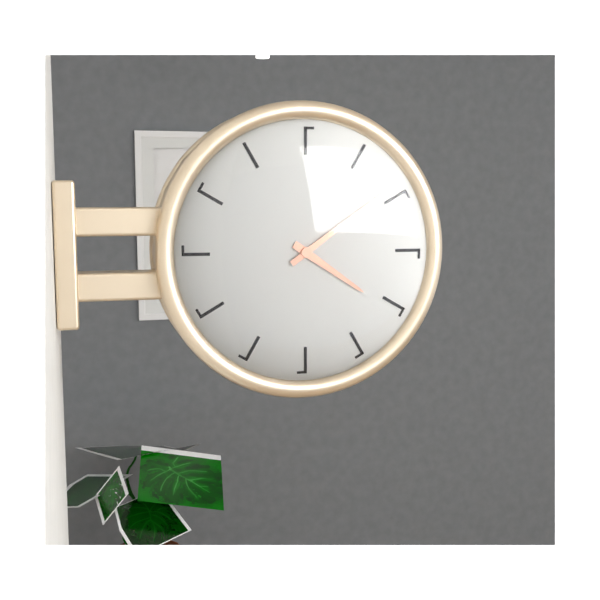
4:09
